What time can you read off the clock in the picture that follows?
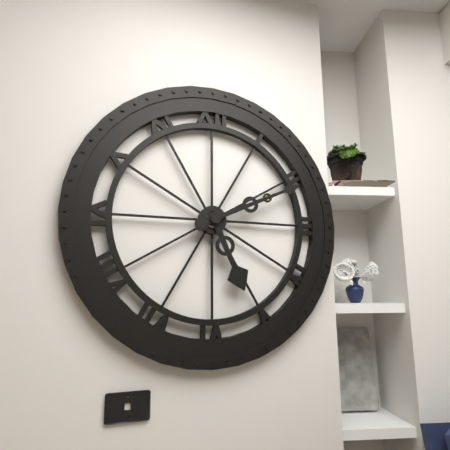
5:11
